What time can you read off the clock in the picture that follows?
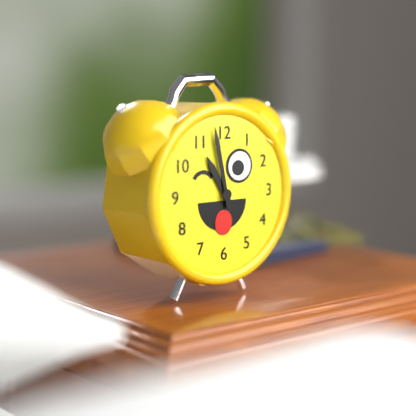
10:58
